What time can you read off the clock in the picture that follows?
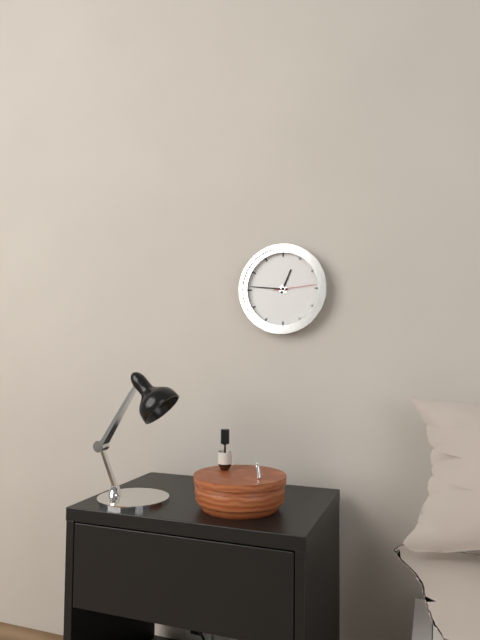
12:46
